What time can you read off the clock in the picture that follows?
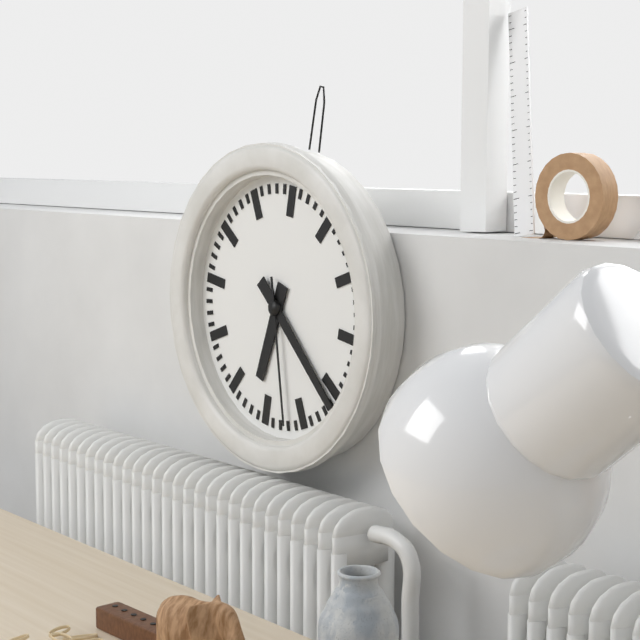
6:21:27
